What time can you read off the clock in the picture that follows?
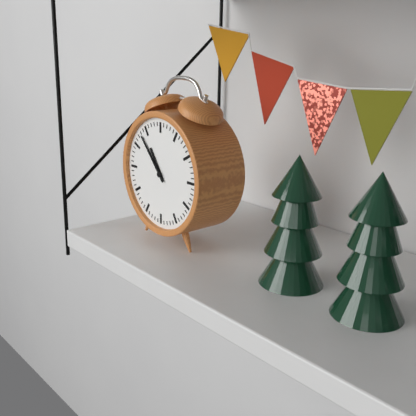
10:53
